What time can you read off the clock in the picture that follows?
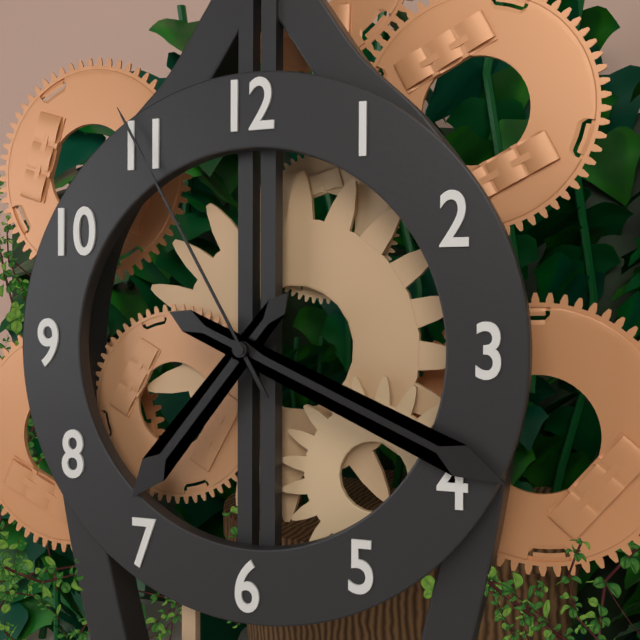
7:19:55
